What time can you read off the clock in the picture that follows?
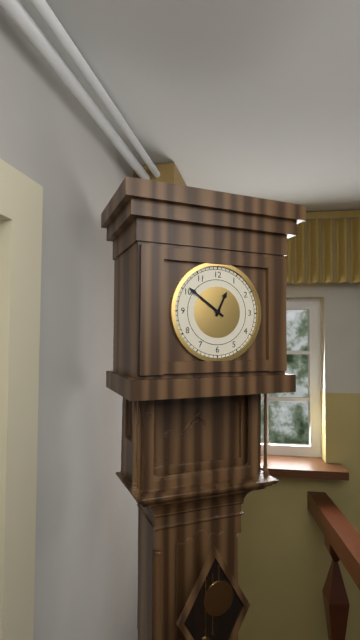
12:51
